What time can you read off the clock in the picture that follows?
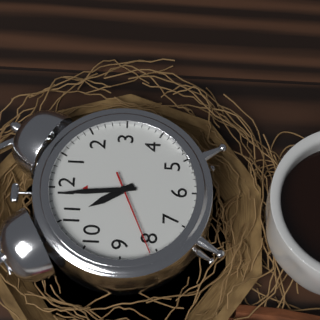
10:59:41
